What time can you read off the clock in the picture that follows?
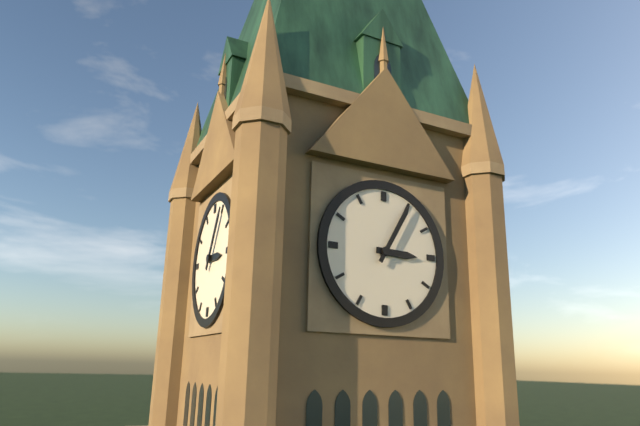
3:05
